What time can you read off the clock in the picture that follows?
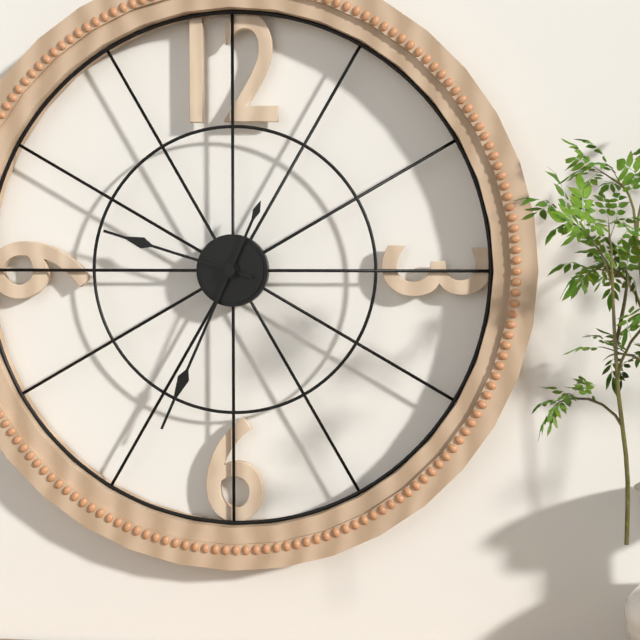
9:34
